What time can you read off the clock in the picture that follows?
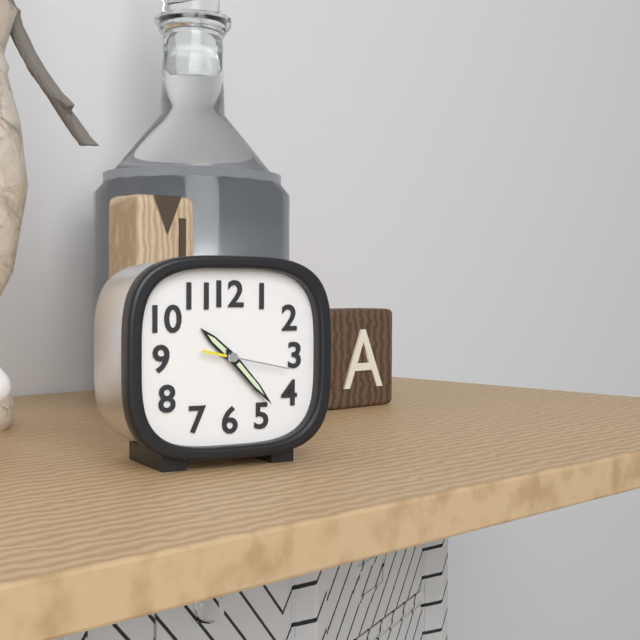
10:23:17
